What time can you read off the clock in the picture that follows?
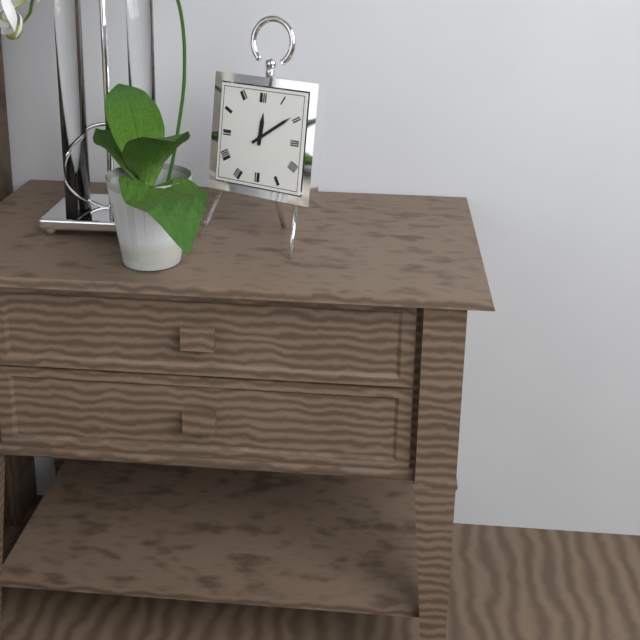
12:09
